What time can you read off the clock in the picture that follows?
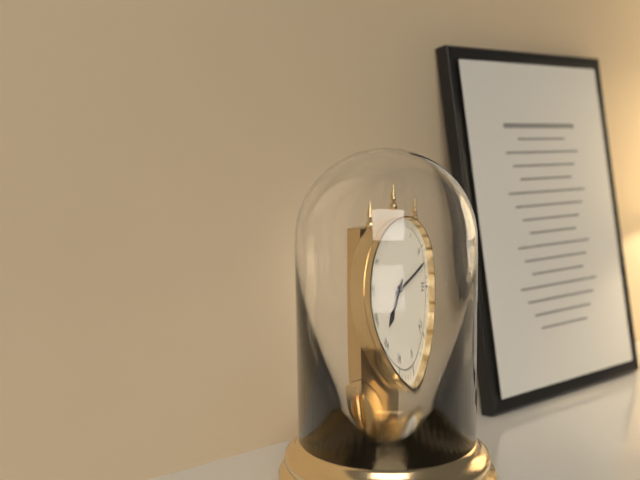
7:12
